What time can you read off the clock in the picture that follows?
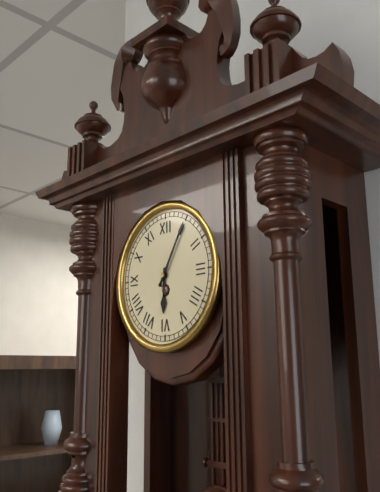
6:05
